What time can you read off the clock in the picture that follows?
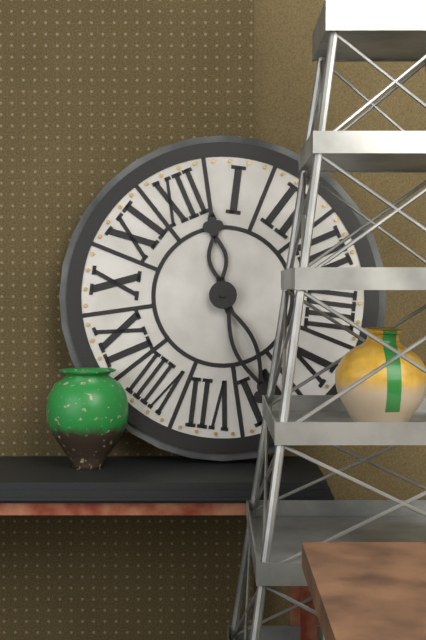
12:30
